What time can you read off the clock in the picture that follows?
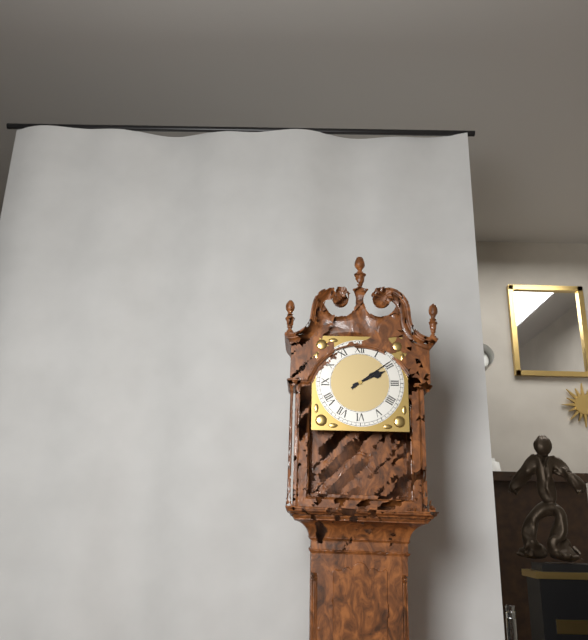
2:09
